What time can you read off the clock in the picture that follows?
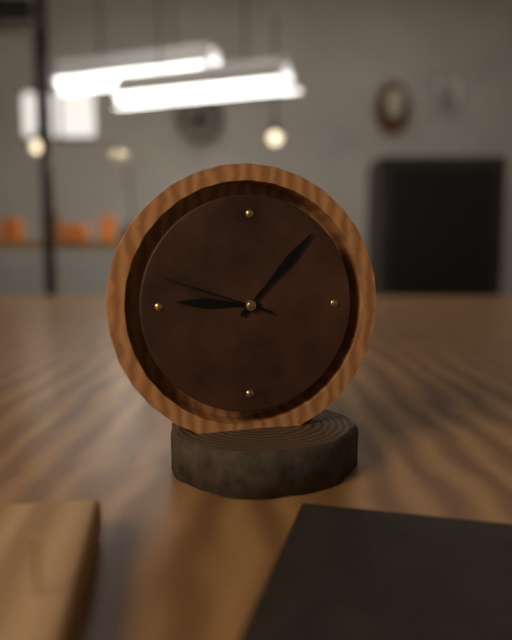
9:07:48
